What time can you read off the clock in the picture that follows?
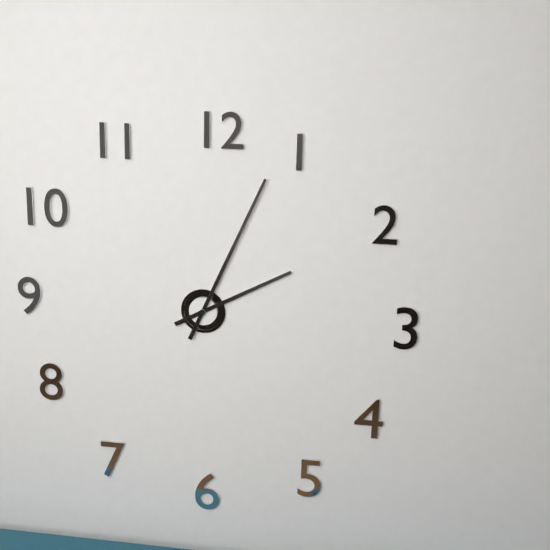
2:04
